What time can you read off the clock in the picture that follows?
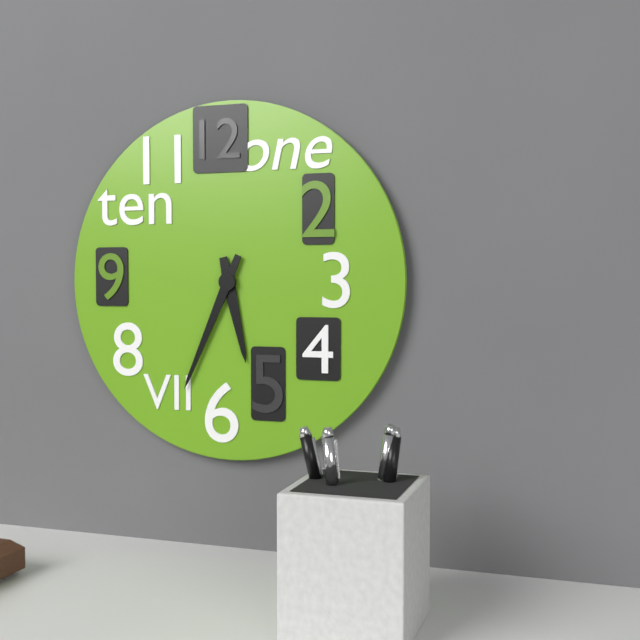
5:34
